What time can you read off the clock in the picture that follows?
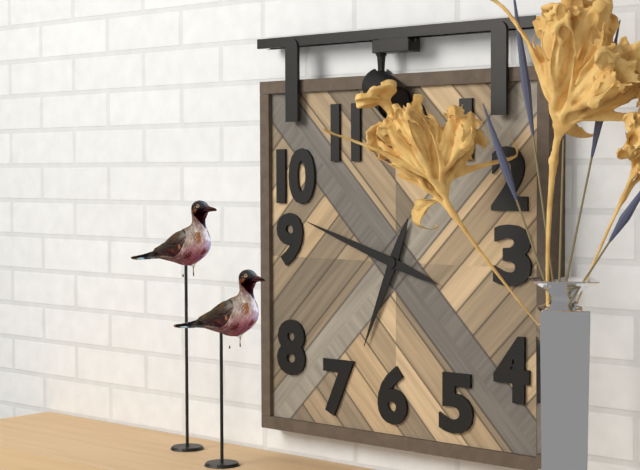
6:48
